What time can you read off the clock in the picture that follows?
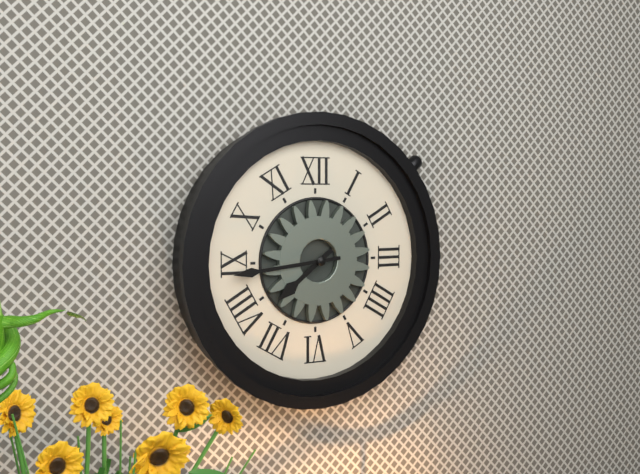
7:44
